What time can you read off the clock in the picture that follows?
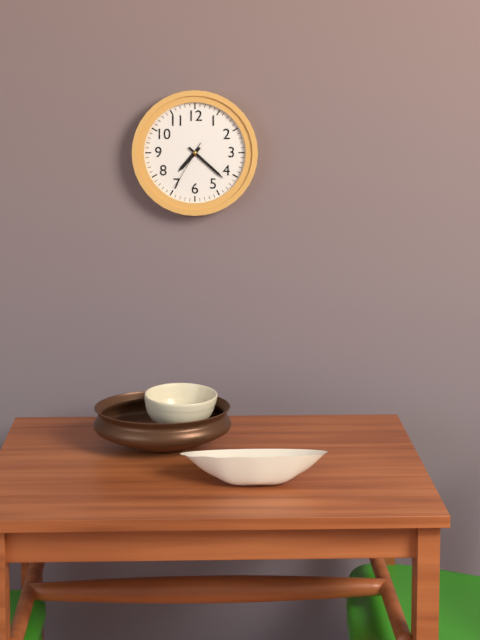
7:22
